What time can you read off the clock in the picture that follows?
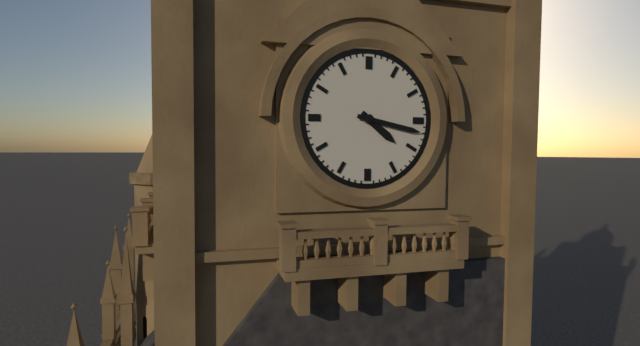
4:17
